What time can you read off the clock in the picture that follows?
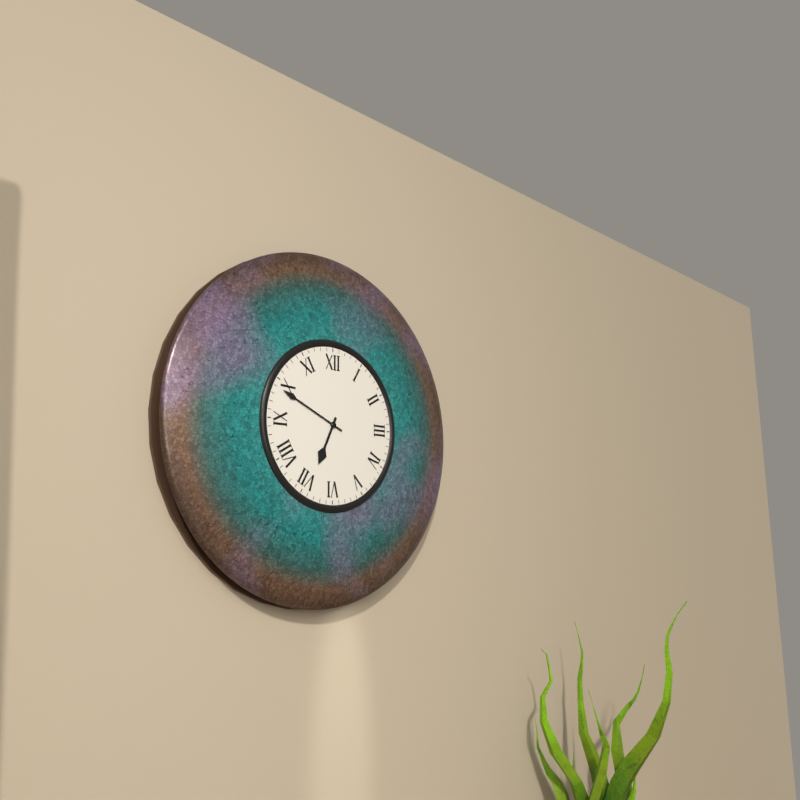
6:49
